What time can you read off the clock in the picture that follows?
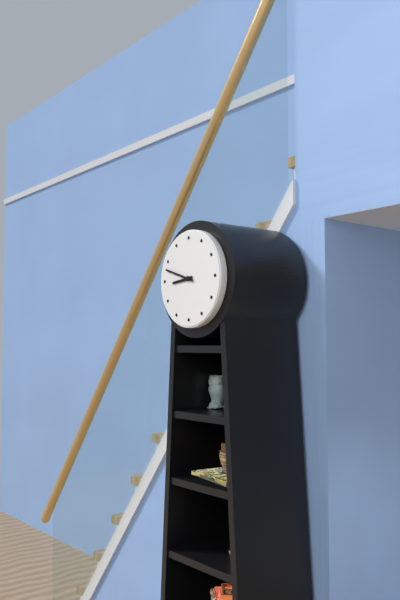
8:48
